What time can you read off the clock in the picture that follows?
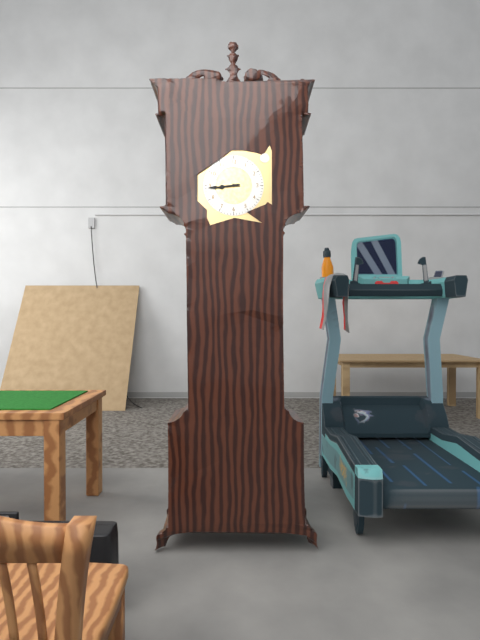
8:44
